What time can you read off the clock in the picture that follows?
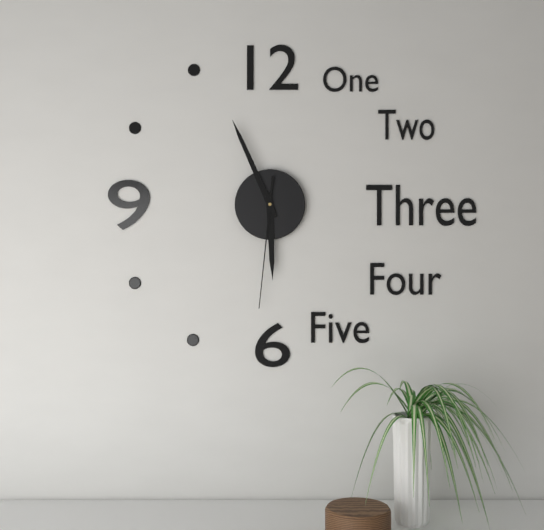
5:56:31
